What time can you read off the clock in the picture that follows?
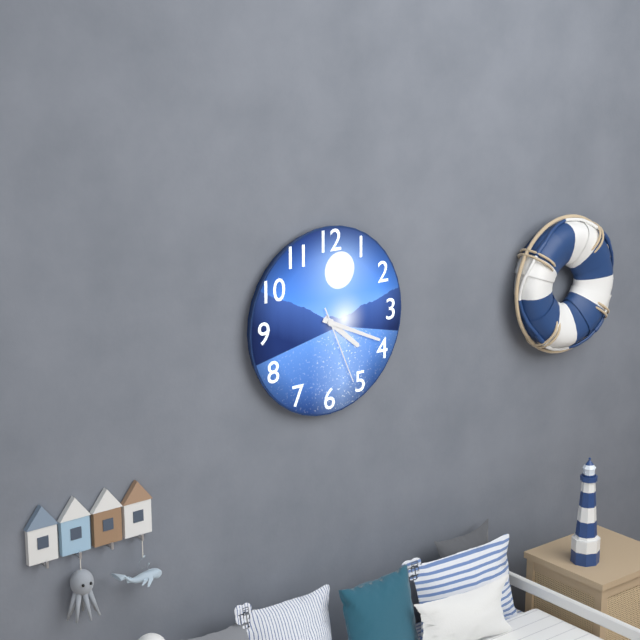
4:19:26
